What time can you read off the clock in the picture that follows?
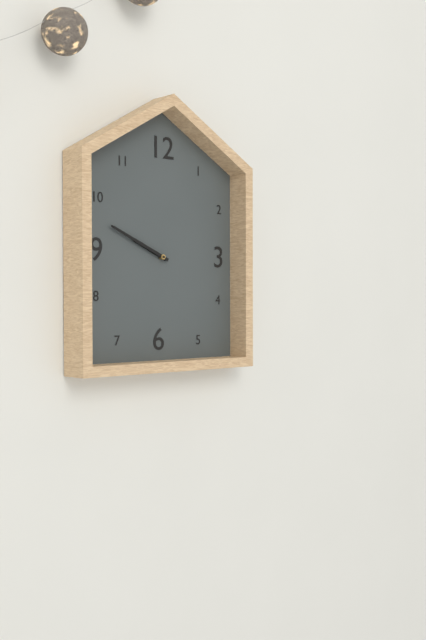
9:49
